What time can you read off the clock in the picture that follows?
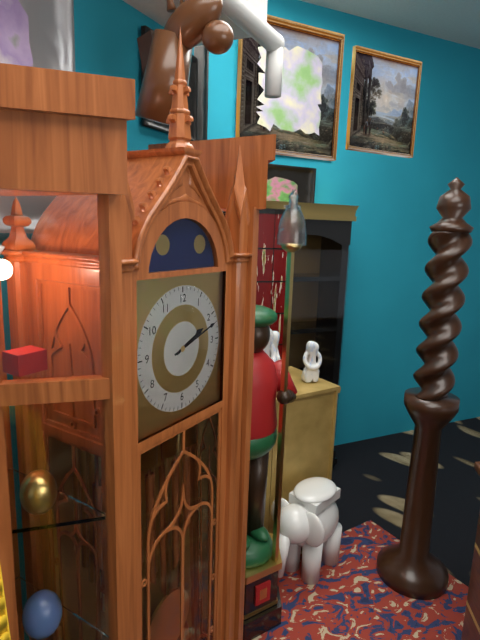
2:12
